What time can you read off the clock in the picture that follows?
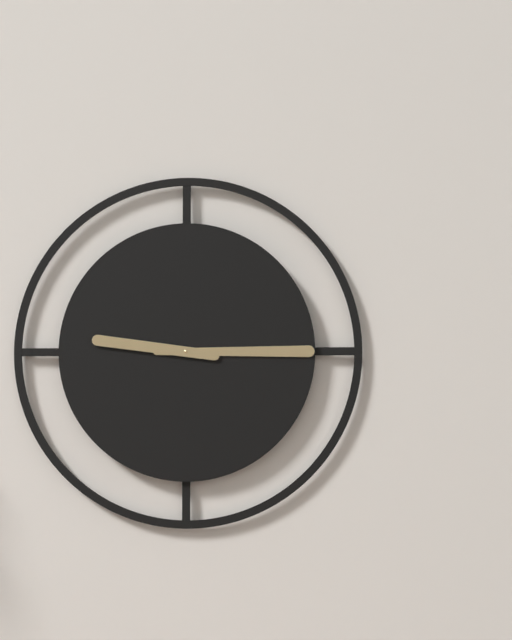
9:15
